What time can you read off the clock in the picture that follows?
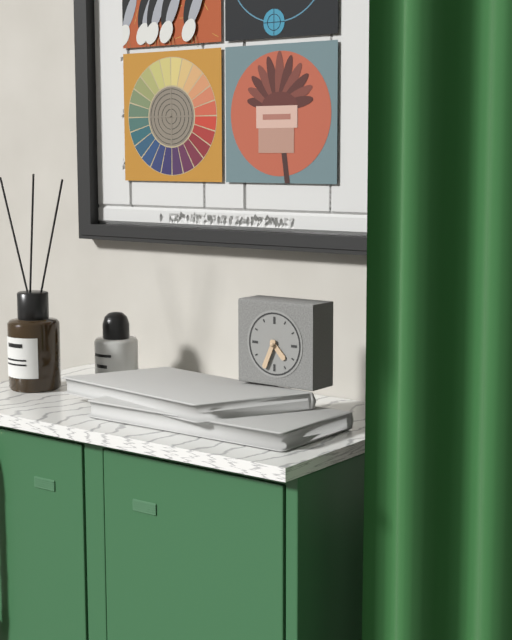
4:34
